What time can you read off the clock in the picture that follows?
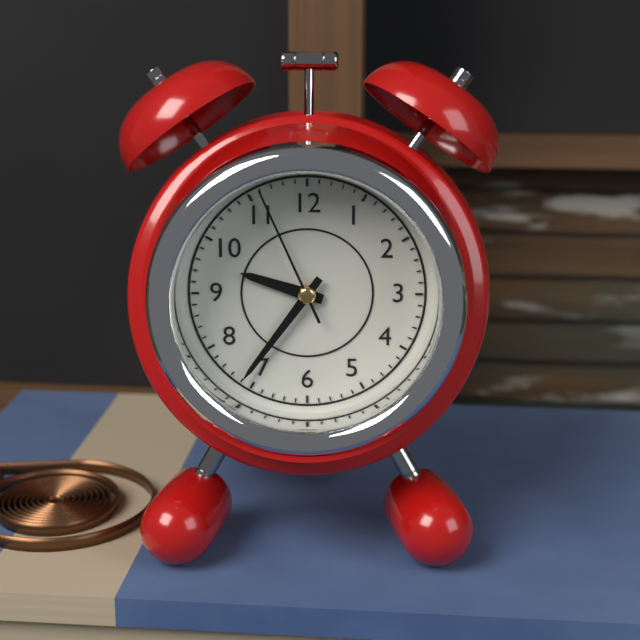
9:36:56
